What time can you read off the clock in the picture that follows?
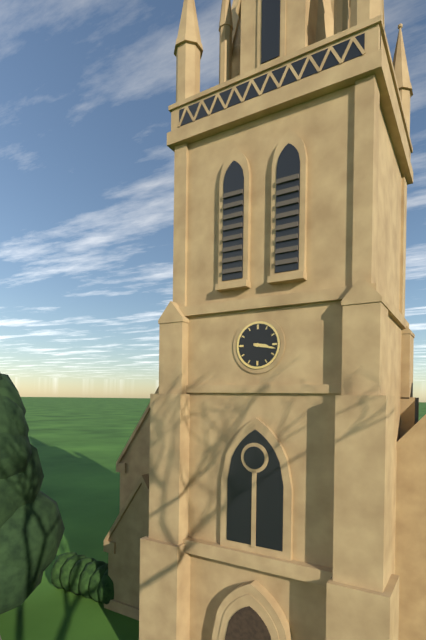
3:17
